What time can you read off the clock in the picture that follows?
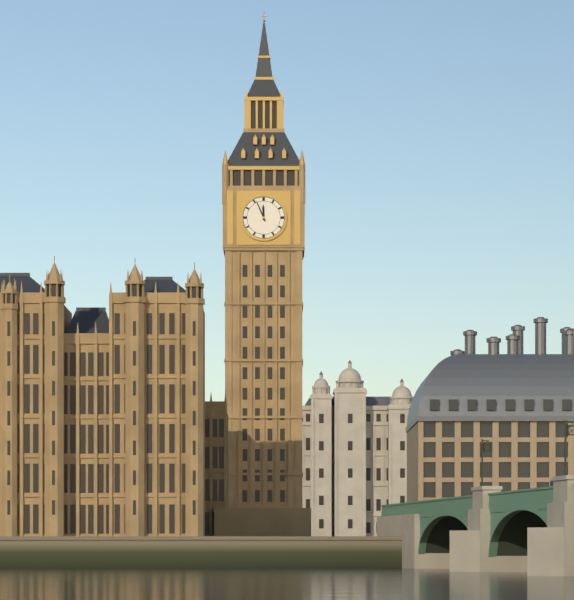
11:56
